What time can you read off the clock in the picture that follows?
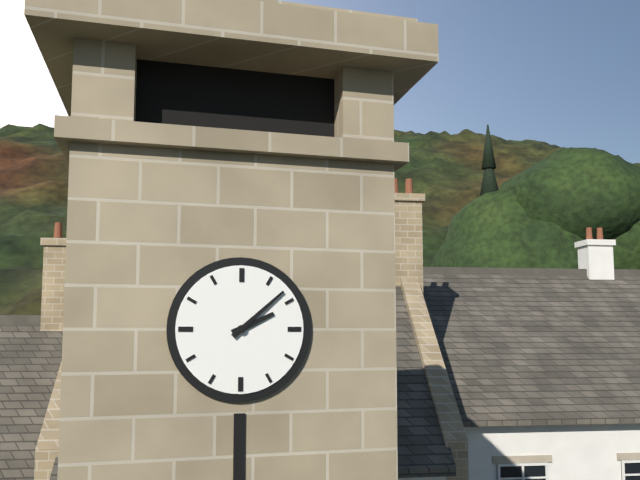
2:08
